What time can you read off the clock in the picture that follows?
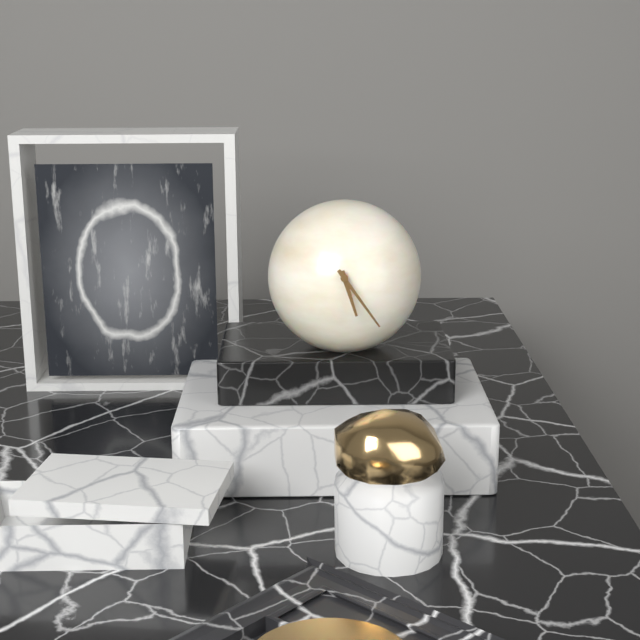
5:24
